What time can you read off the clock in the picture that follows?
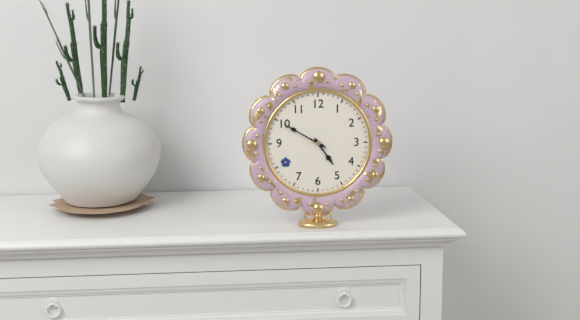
4:50
